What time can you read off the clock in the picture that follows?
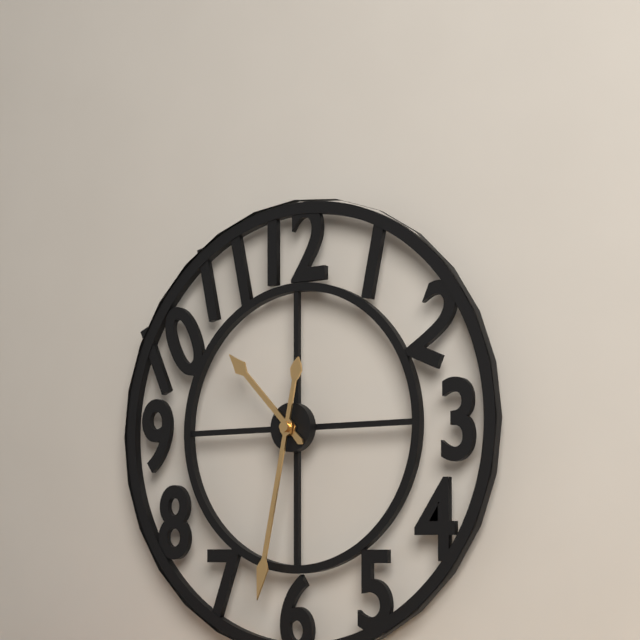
10:32
